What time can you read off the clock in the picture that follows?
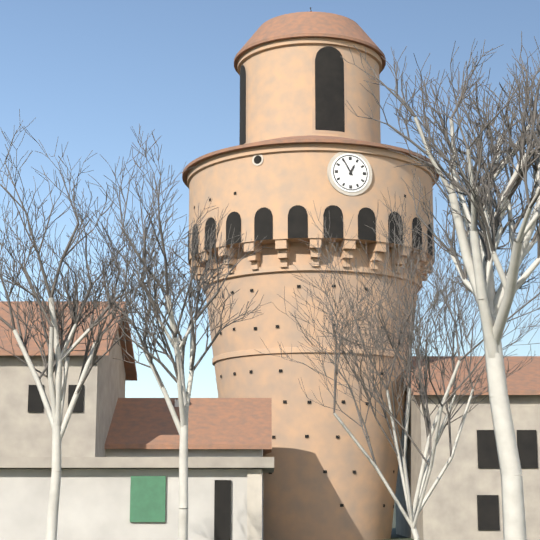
12:55
